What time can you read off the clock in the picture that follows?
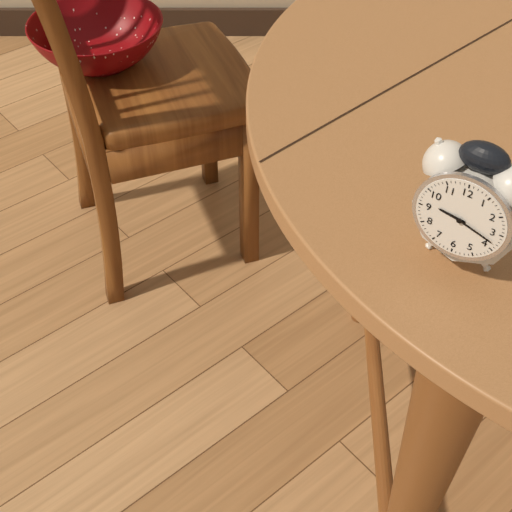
9:18
